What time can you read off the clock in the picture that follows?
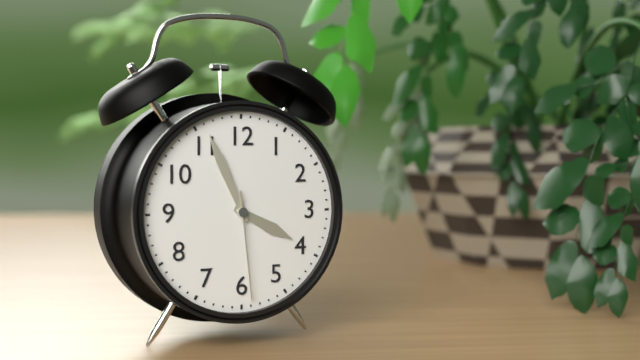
3:56:29
